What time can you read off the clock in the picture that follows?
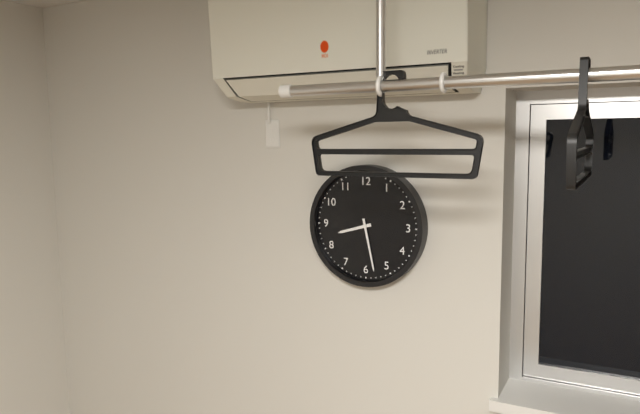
8:28
